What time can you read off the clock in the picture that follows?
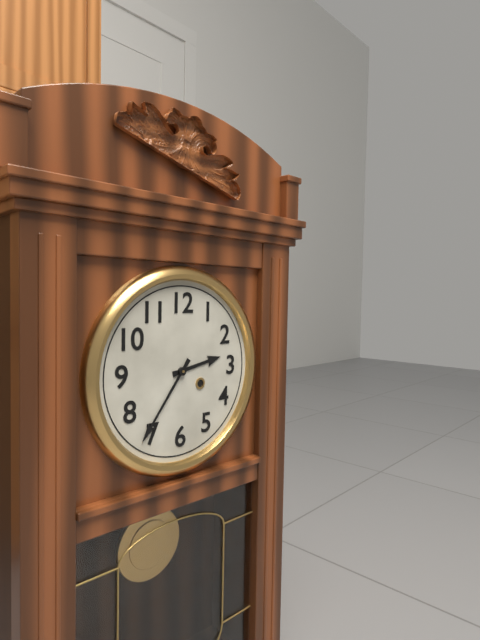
2:36
